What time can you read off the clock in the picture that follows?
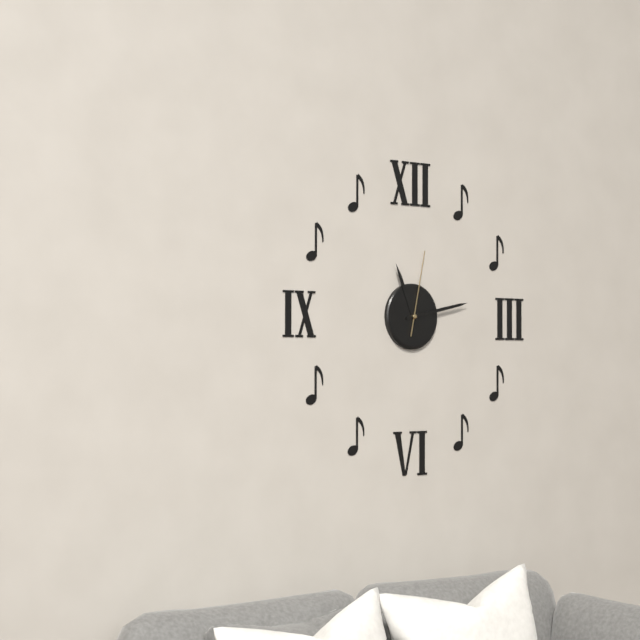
11:13:02
